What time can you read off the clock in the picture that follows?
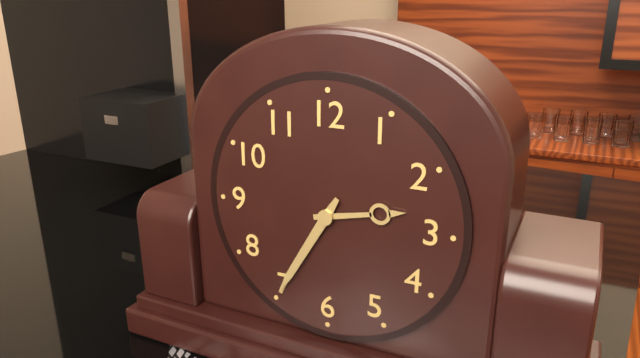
2:35
